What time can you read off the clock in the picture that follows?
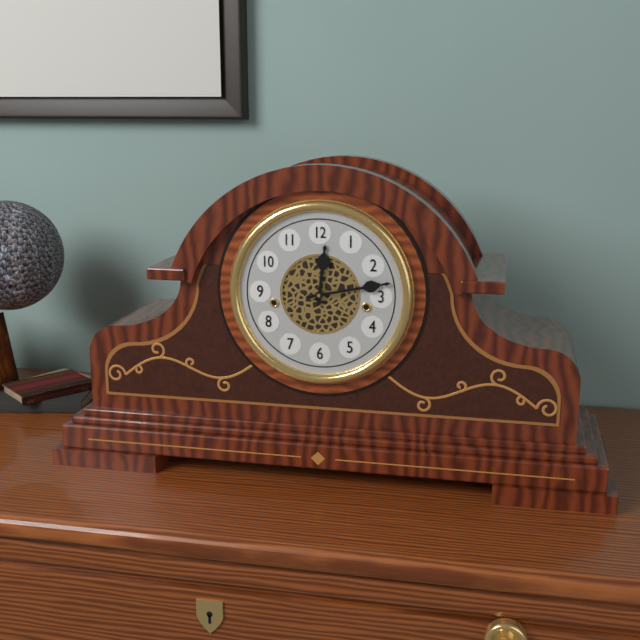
12:13
